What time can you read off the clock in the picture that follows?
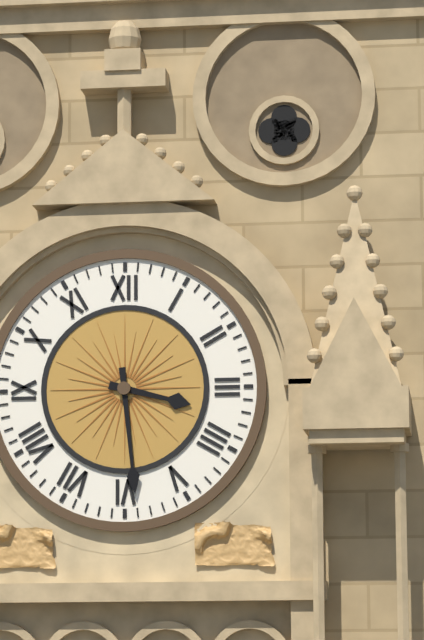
3:29
